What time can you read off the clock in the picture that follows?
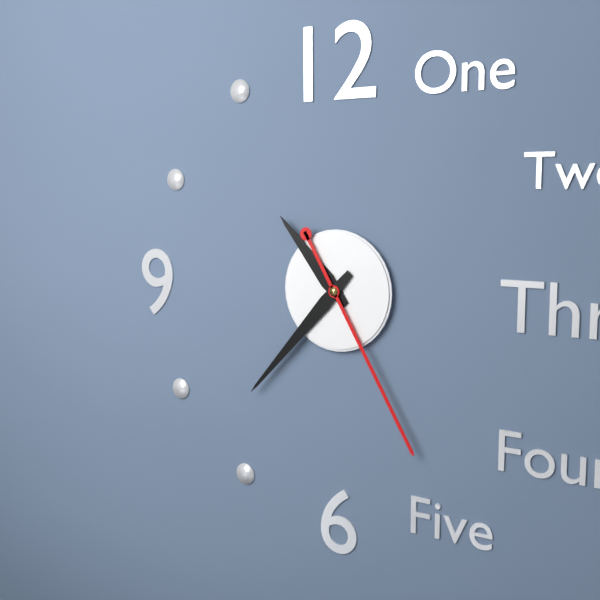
10:37:25
